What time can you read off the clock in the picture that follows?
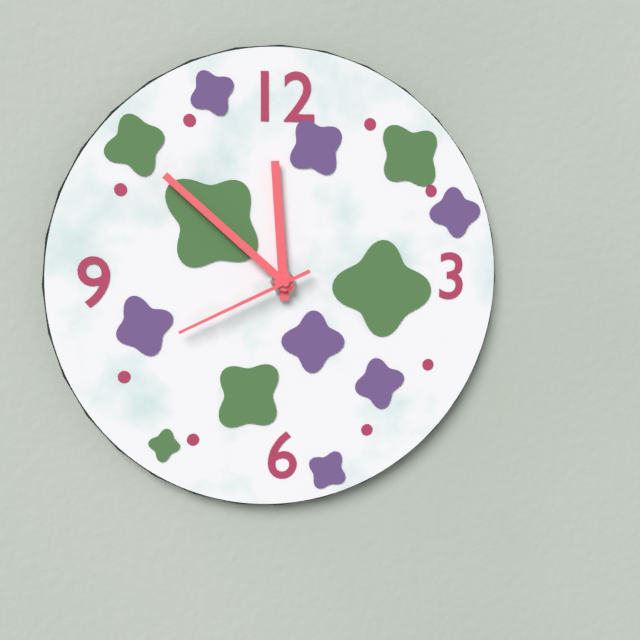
11:52:41
